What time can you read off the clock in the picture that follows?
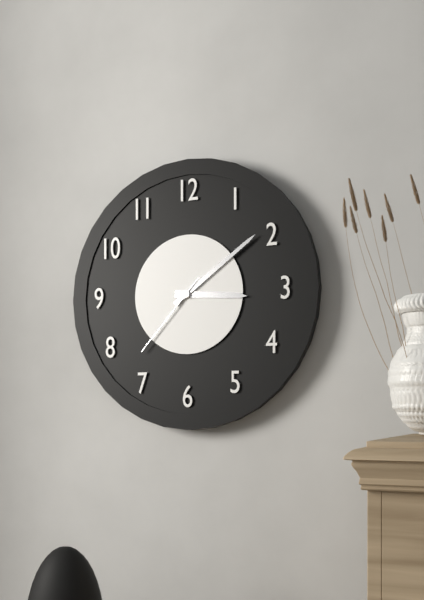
3:09:37
